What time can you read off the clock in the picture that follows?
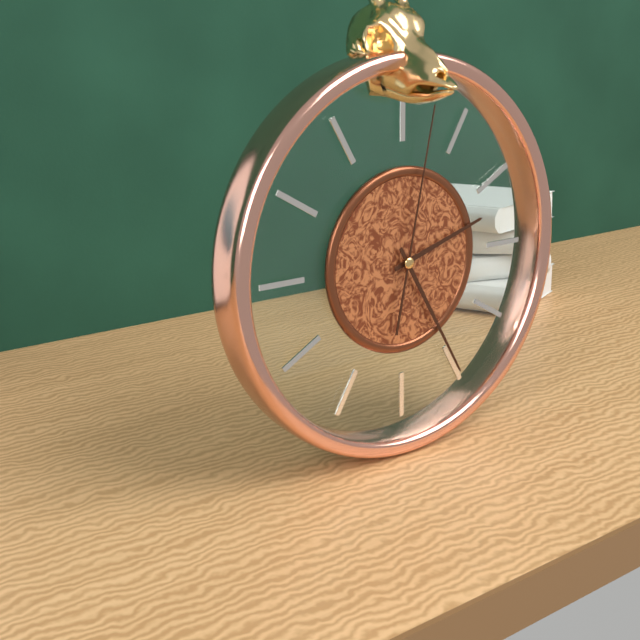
2:25:02
